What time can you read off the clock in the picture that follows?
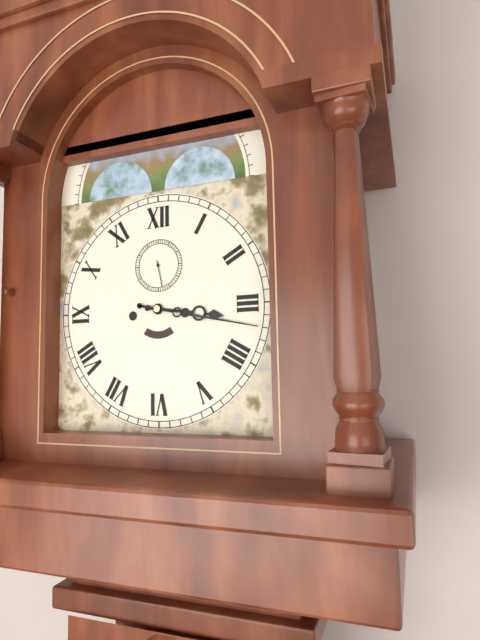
3:17
